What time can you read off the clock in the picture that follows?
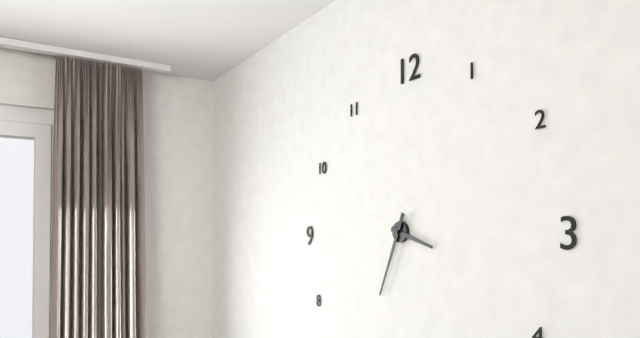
3:34
